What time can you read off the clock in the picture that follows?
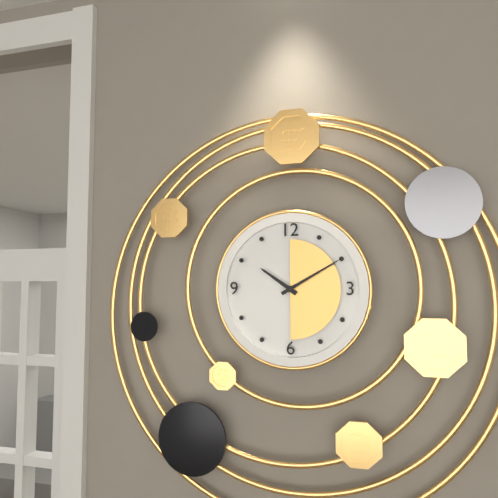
10:10
